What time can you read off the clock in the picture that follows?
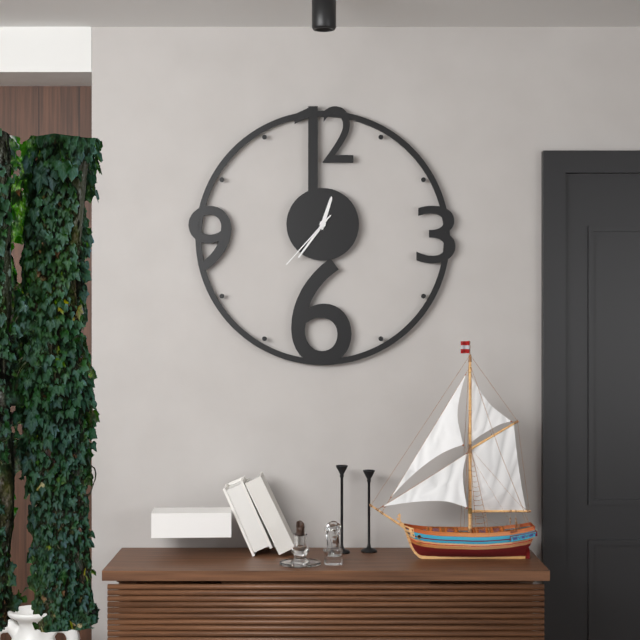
12:36:37
